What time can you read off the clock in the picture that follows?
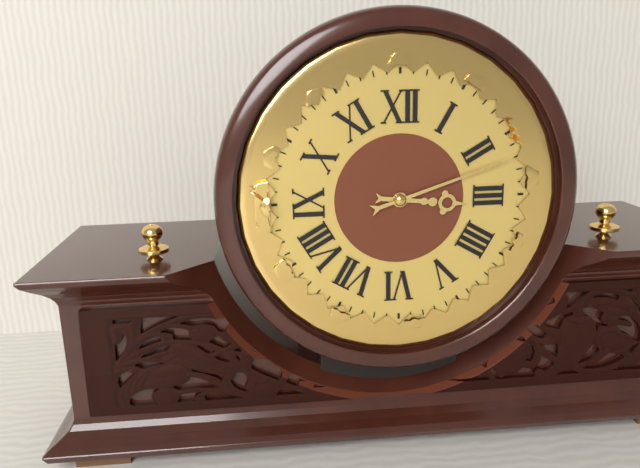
3:12
